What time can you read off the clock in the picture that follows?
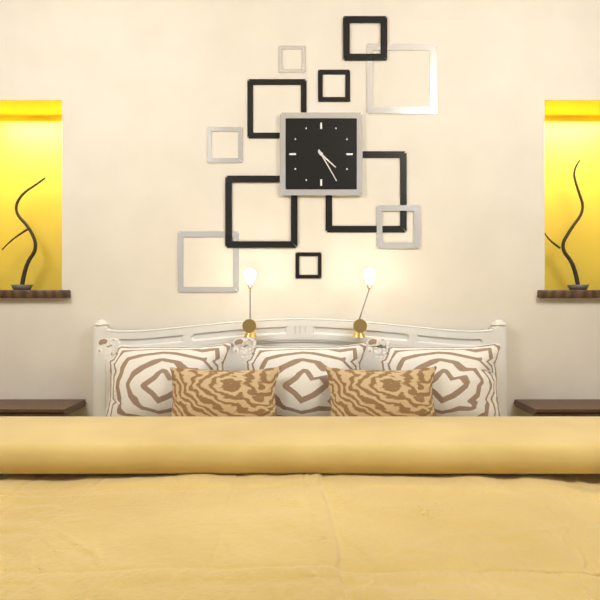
4:25
